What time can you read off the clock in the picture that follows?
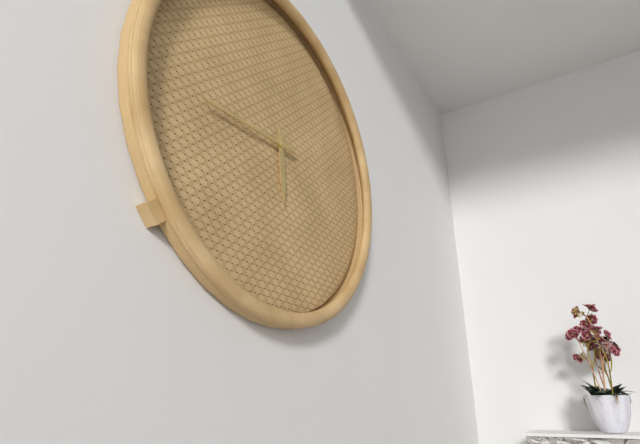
5:44
